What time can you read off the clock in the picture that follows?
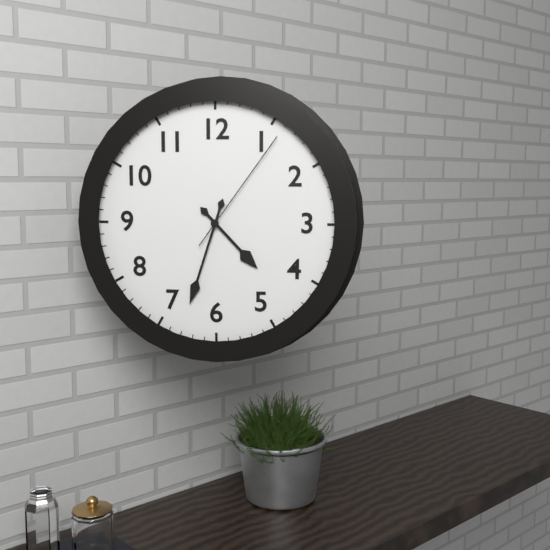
4:33:06
